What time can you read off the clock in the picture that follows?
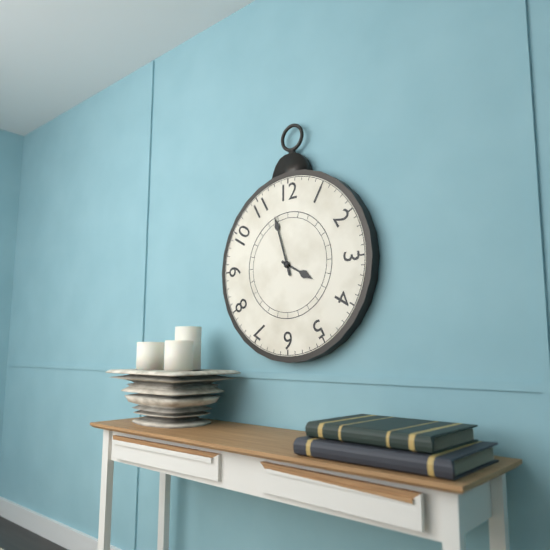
3:57
